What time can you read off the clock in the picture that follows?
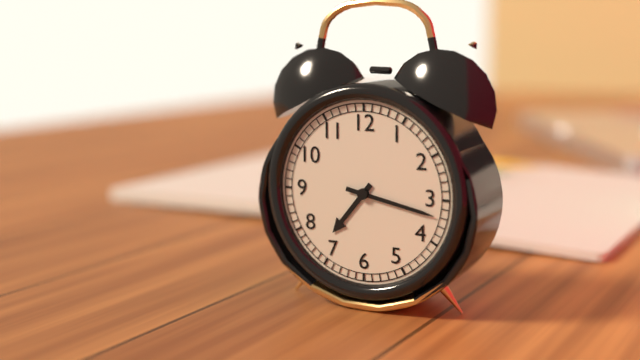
7:17
